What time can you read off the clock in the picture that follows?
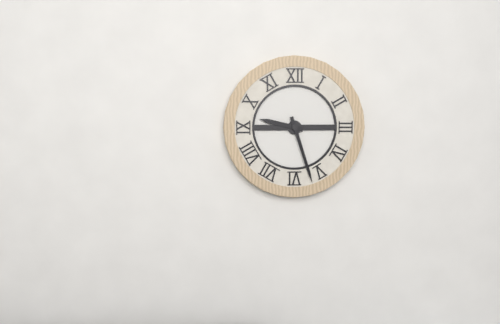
9:27
